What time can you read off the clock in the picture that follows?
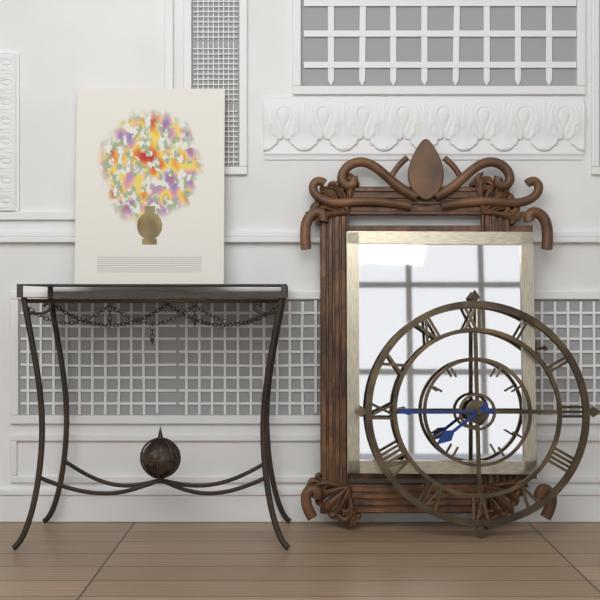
7:45
